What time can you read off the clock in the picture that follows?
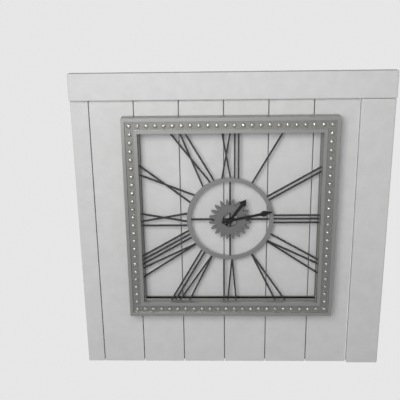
1:13
